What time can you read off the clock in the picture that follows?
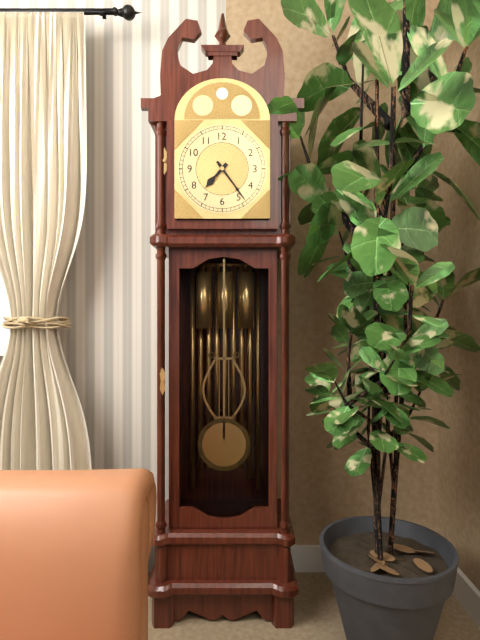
7:24
